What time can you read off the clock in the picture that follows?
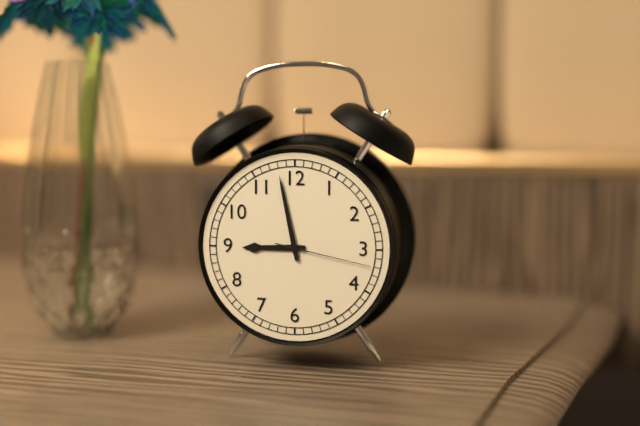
8:58:17
